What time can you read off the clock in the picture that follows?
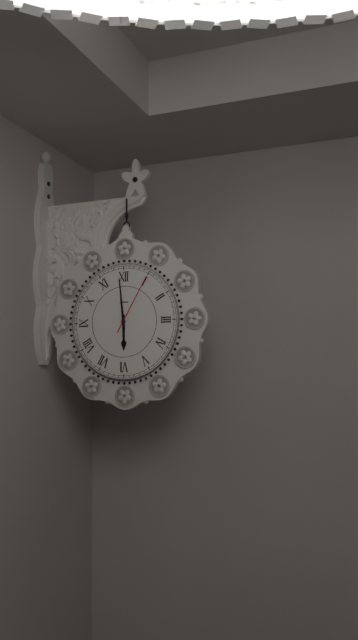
5:59:05
